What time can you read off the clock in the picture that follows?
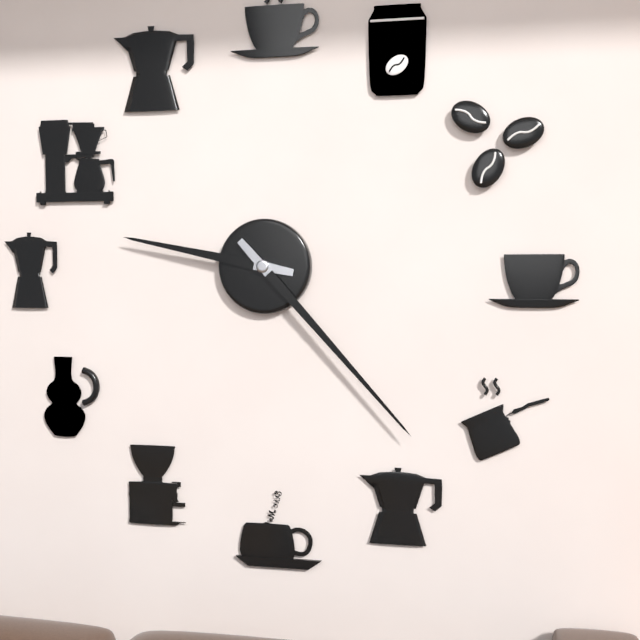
9:23
